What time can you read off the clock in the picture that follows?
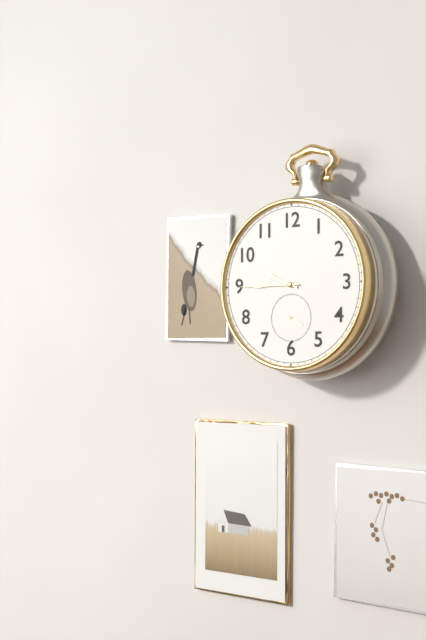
9:45
